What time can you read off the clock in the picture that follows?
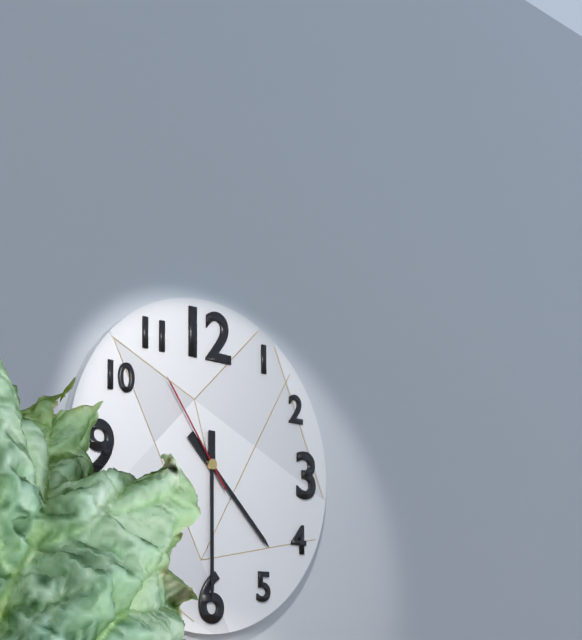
4:30:54
